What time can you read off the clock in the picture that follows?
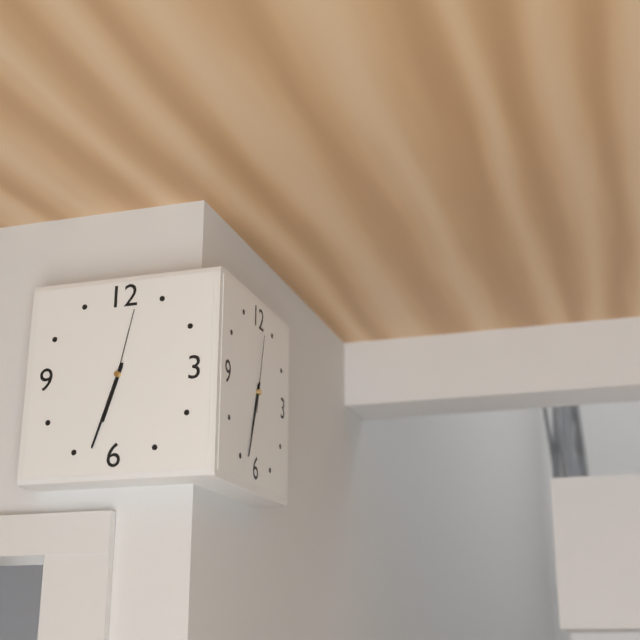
6:33:02
